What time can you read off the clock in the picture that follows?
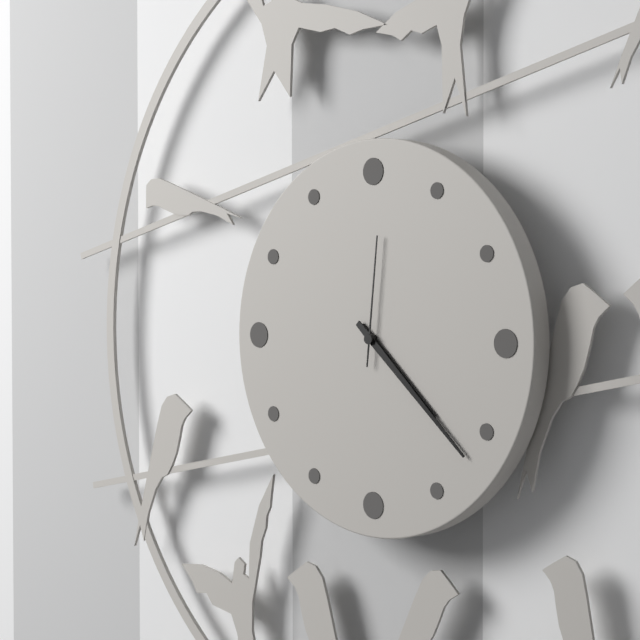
4:22:01
